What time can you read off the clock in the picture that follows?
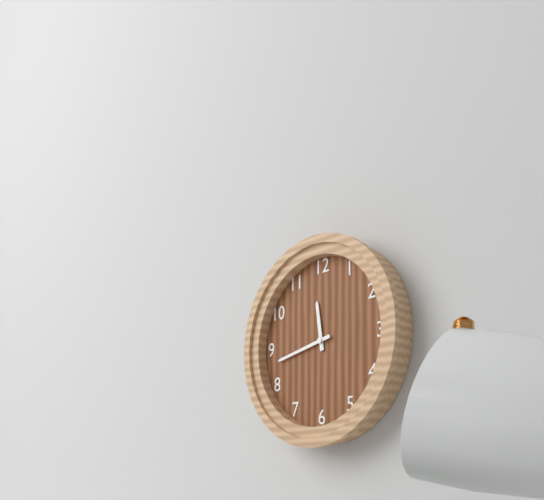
11:43
